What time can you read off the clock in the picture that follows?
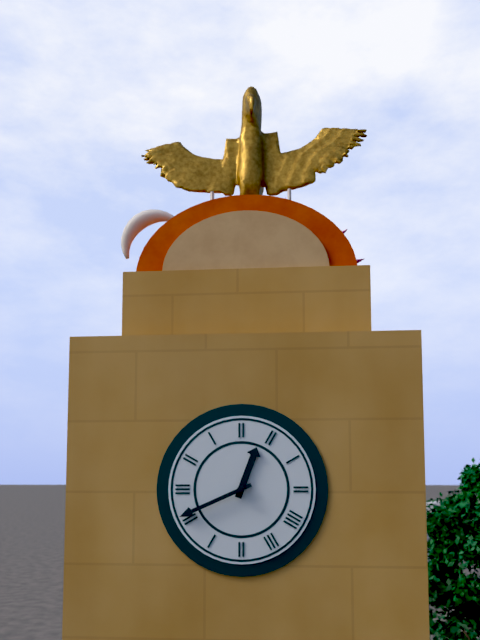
12:41
